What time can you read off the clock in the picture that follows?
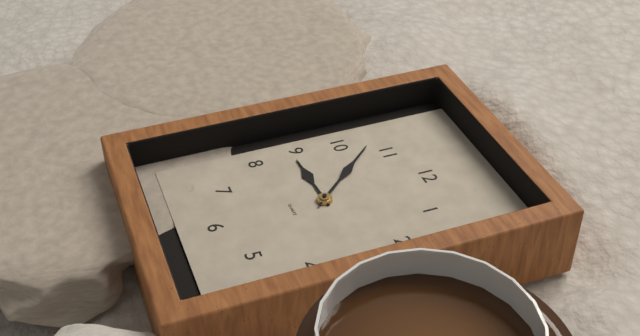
8:53
